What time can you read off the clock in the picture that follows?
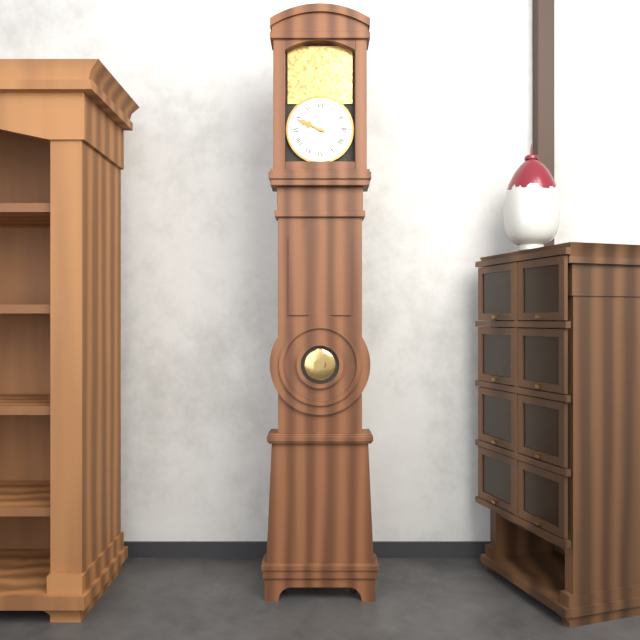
9:49
